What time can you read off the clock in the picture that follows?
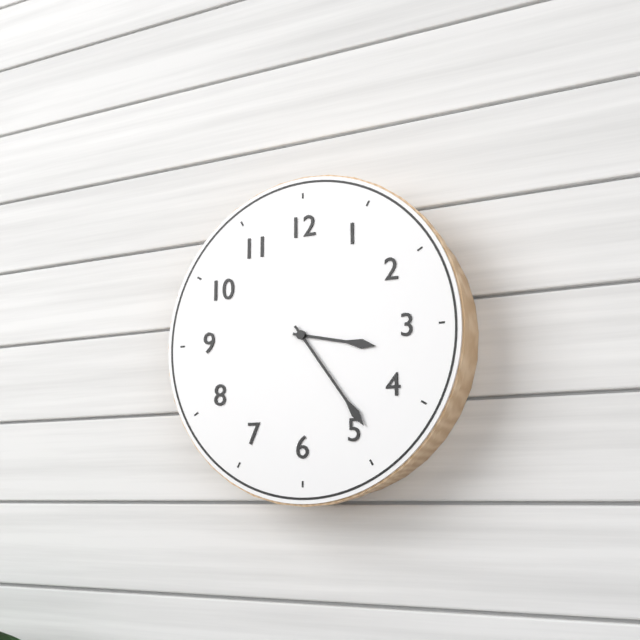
3:24
